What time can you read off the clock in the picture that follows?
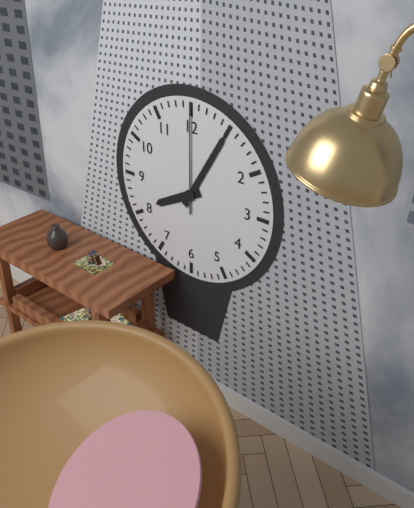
8:05:00
